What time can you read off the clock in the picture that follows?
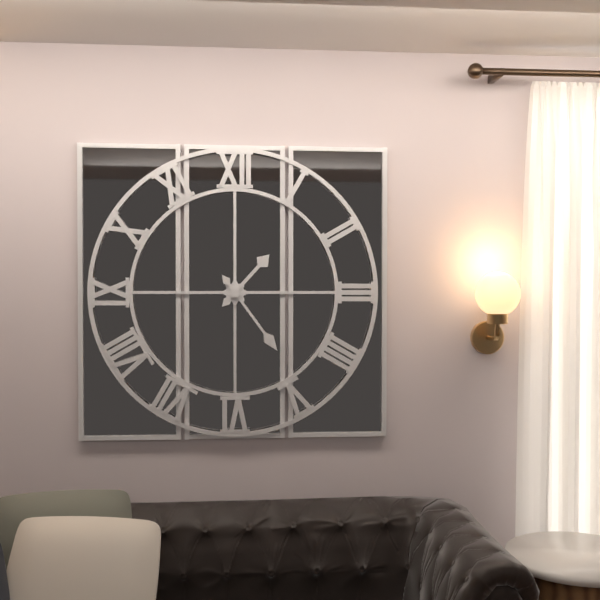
1:24
